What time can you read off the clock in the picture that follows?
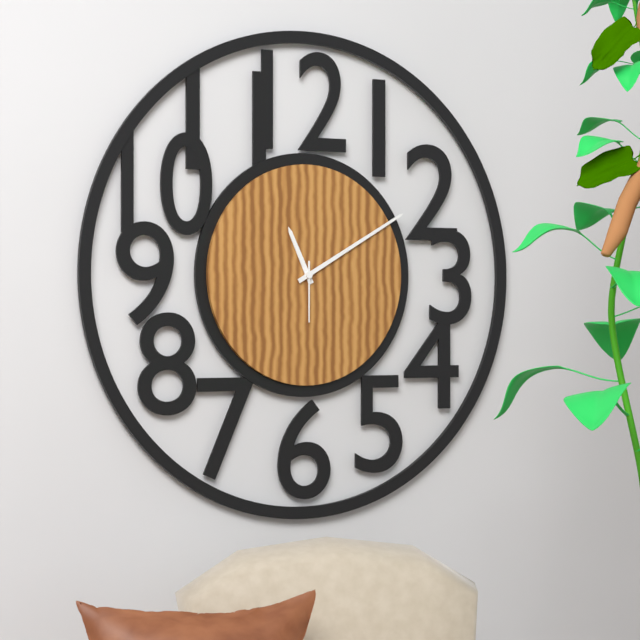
11:10:30
